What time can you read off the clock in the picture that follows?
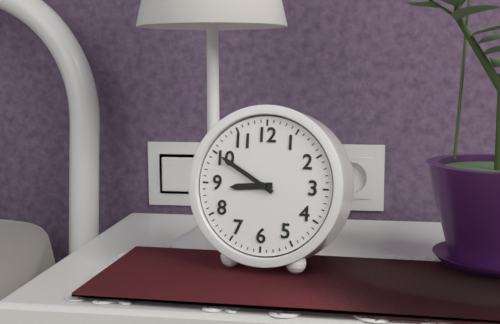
8:50
